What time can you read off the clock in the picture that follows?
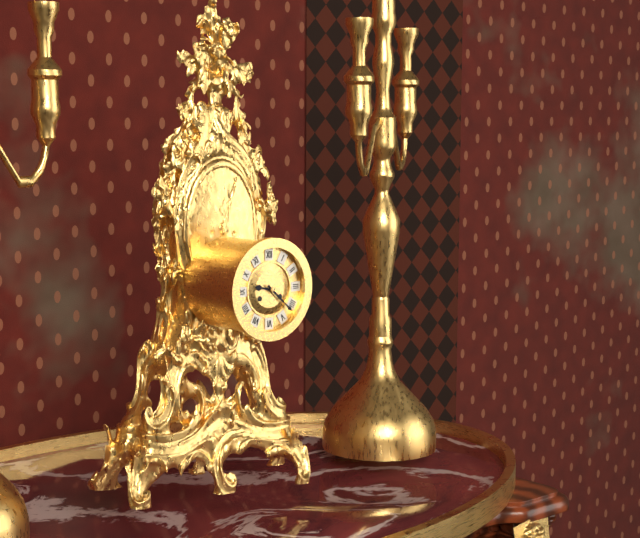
9:22
